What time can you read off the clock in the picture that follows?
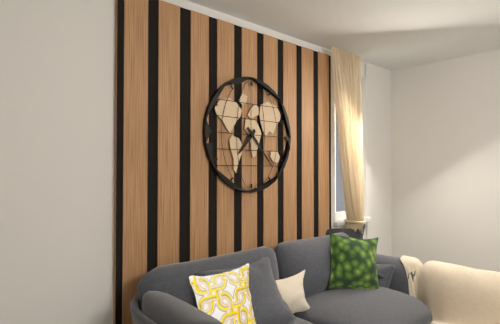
7:23
